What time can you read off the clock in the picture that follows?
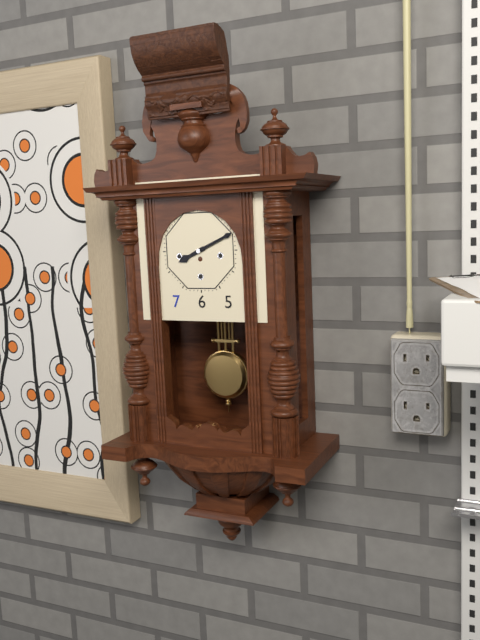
8:11
